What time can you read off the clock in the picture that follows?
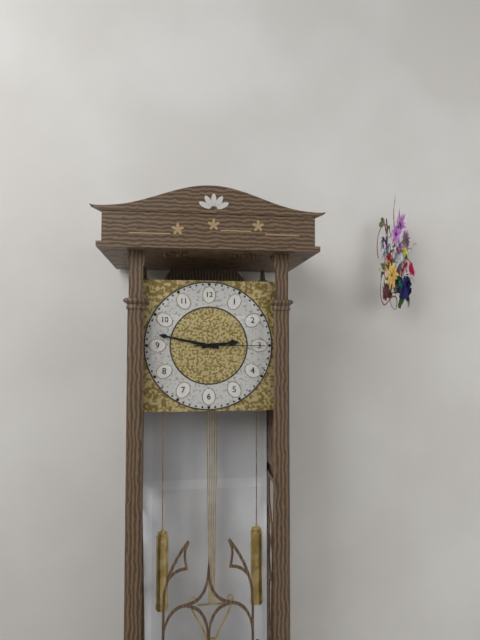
2:47:15
